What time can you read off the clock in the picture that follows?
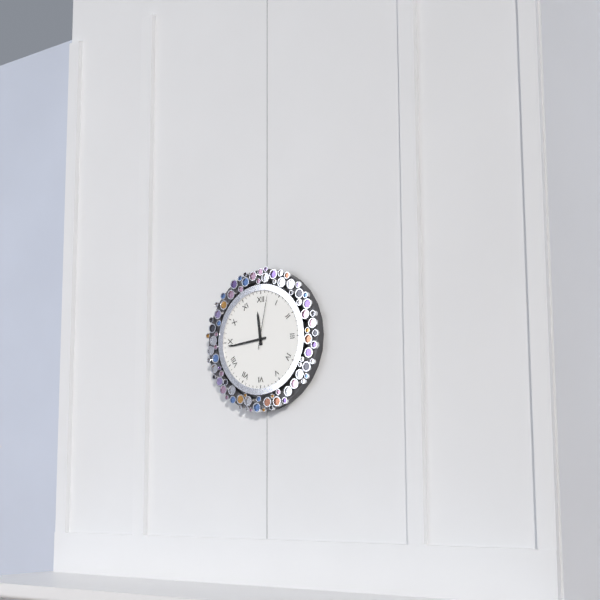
11:44:02
